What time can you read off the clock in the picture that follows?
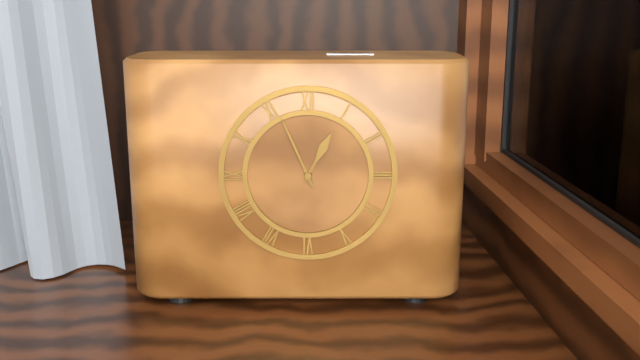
12:56
